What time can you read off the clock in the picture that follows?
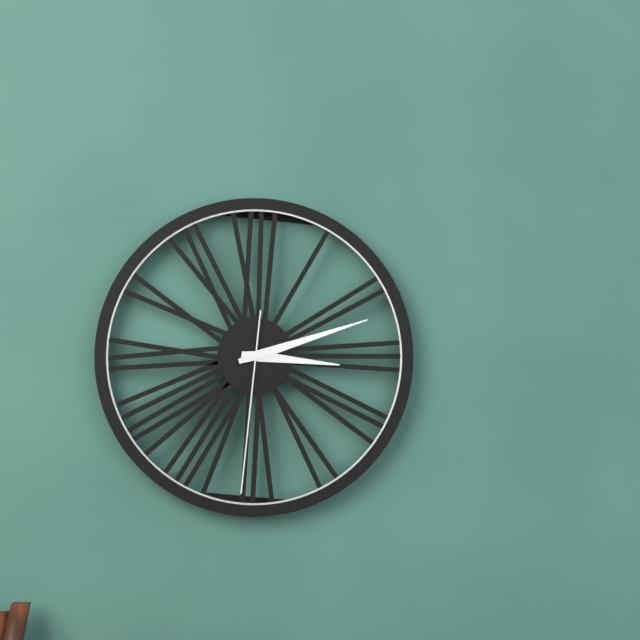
3:12:31
